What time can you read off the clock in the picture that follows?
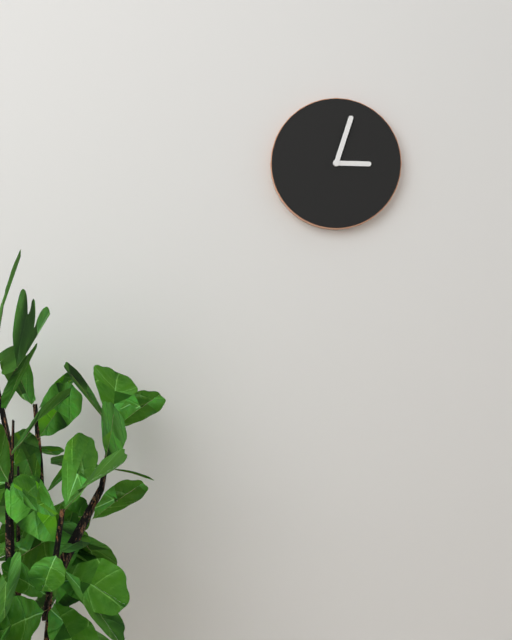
3:03
